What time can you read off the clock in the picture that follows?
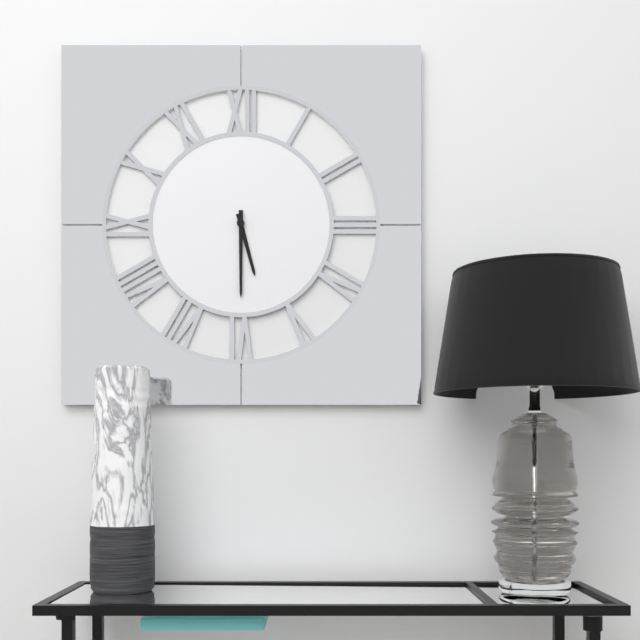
5:30
